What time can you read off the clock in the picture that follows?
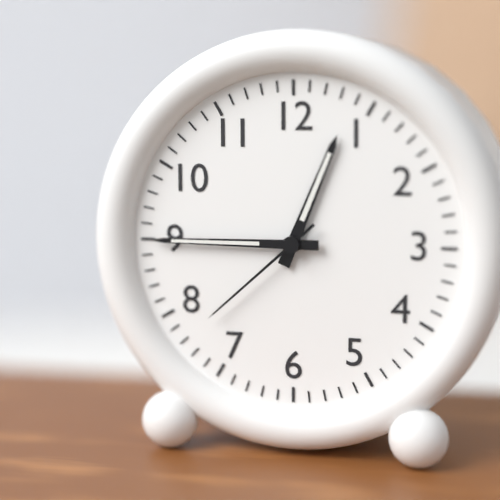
12:45:38
